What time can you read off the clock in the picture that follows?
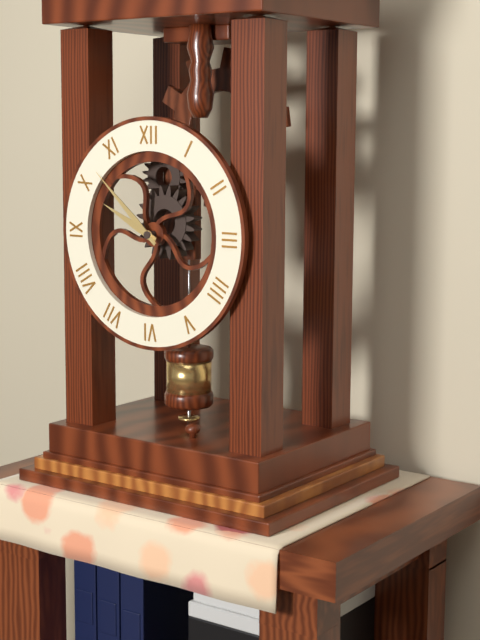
9:52
